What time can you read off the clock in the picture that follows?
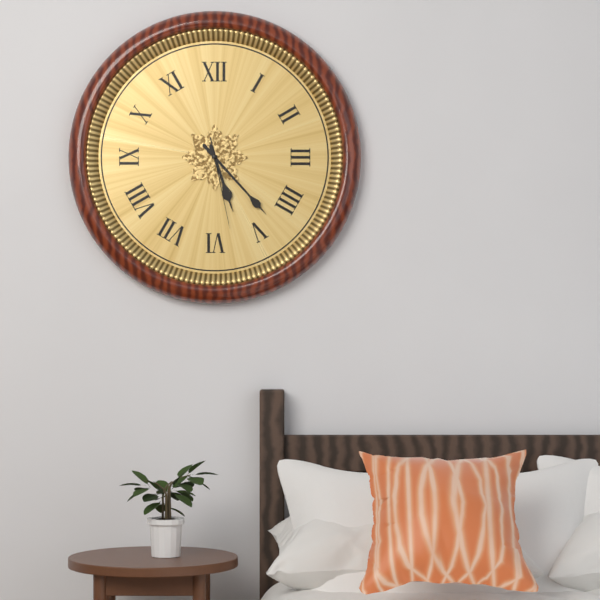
5:23:28
